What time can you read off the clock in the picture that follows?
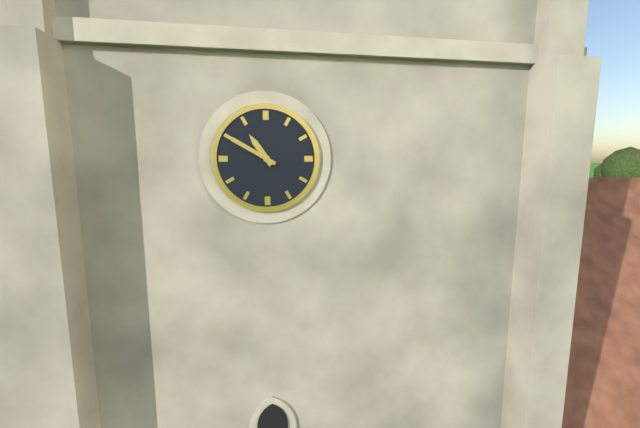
10:50
